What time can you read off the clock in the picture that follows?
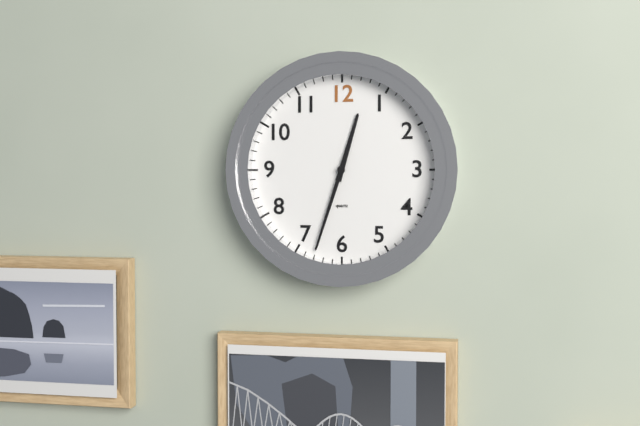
12:33
